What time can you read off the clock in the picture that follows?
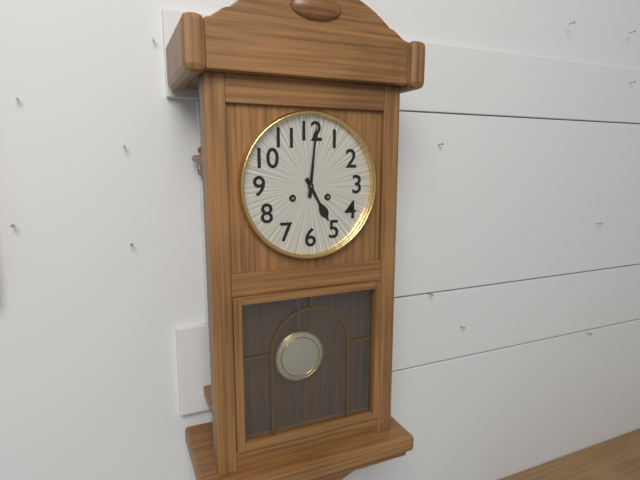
5:01
